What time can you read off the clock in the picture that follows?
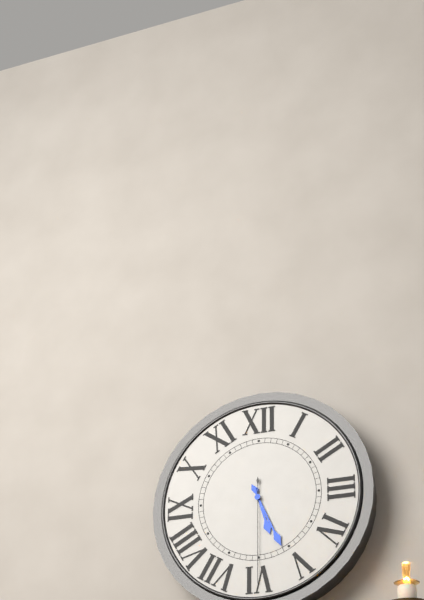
5:26:30
